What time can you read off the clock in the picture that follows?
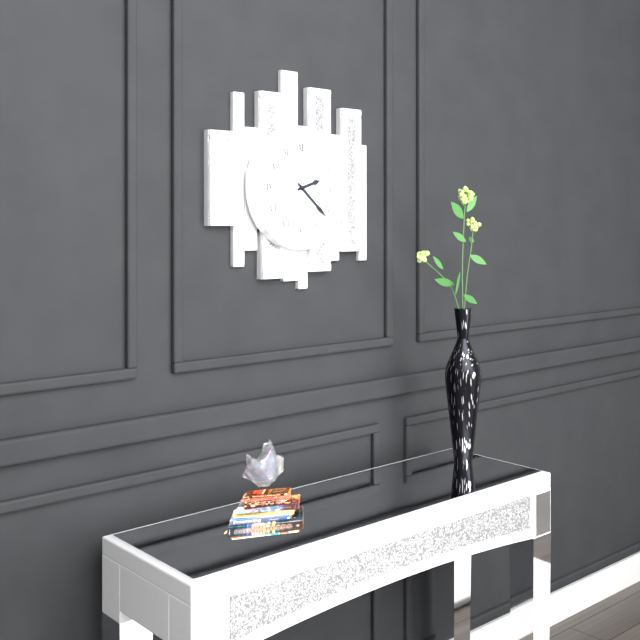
2:22
